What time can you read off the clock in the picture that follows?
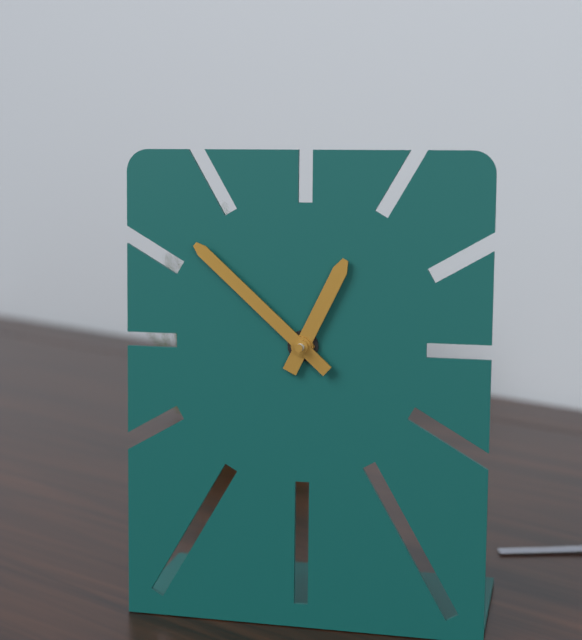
12:52
